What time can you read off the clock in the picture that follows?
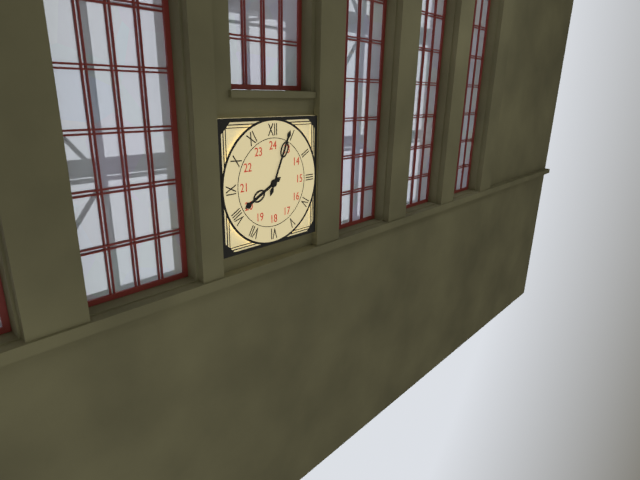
8:04
